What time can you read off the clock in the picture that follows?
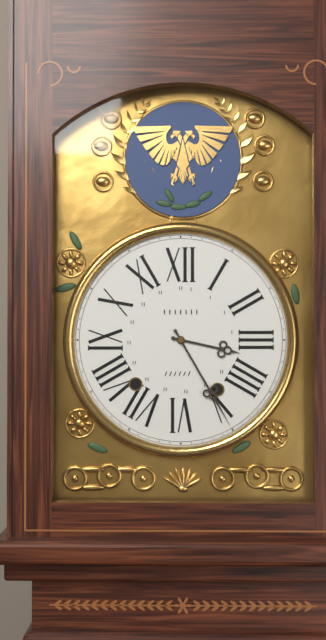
3:25
